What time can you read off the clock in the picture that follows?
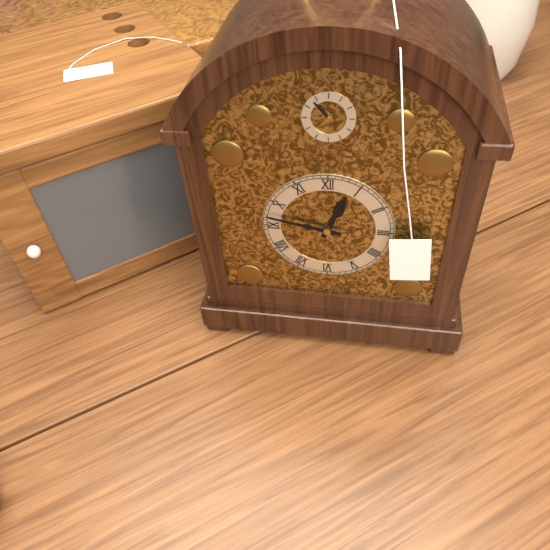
12:47
